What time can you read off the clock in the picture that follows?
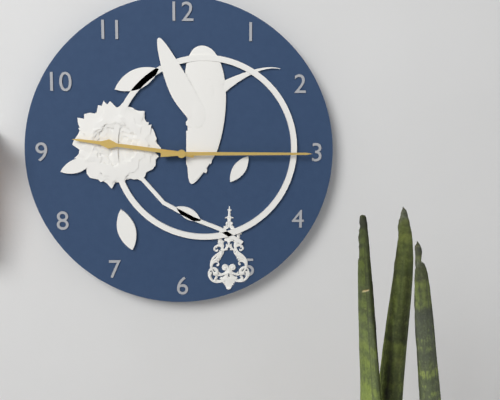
9:15
